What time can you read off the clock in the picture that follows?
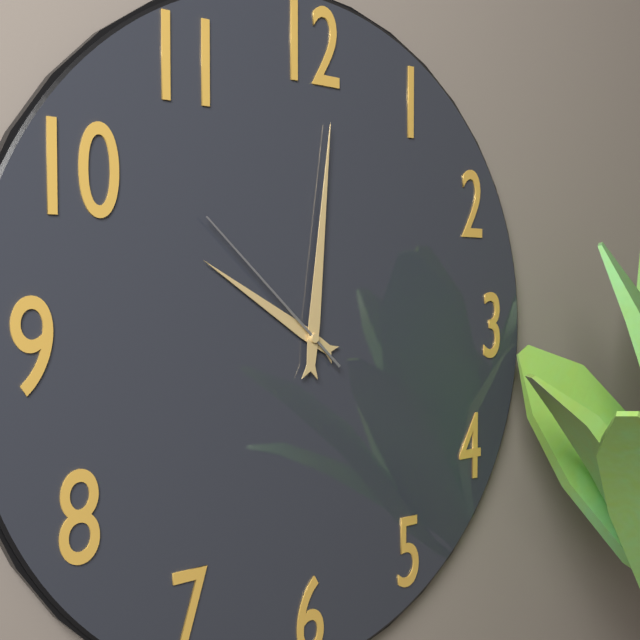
10:01:52
